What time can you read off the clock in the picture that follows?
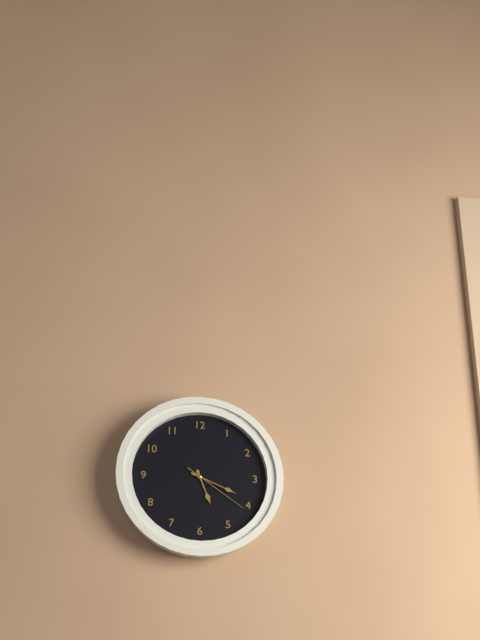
5:19:21
